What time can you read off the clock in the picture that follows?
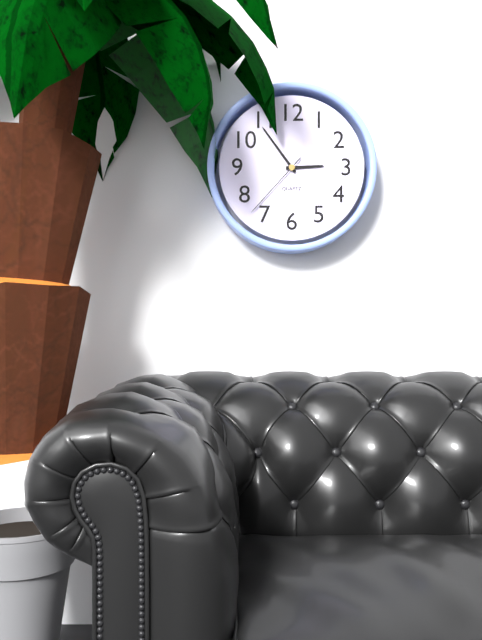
2:54:37
